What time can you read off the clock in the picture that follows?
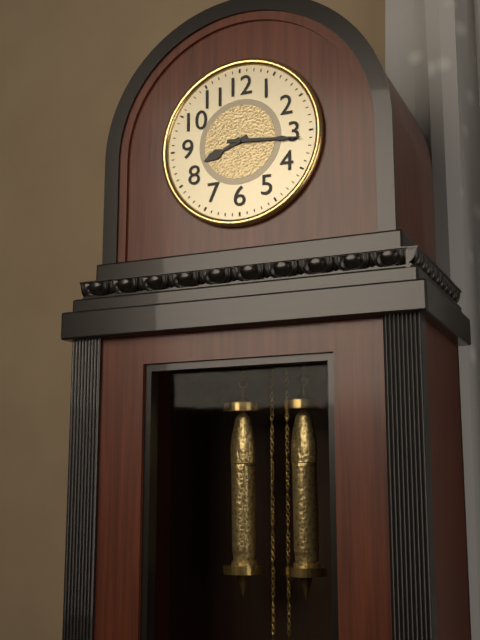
8:16
